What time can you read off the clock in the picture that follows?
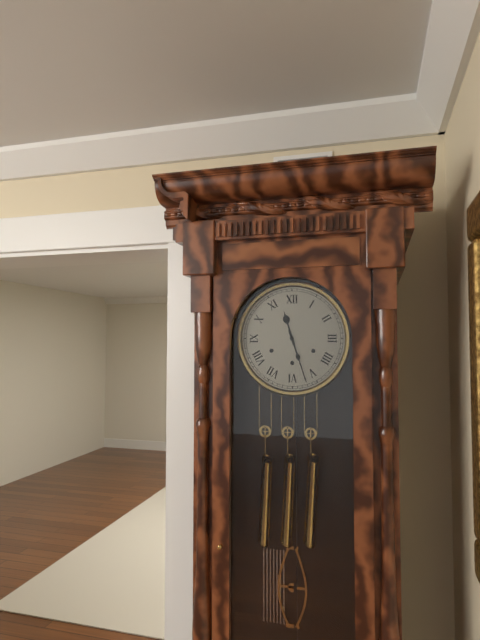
11:27
